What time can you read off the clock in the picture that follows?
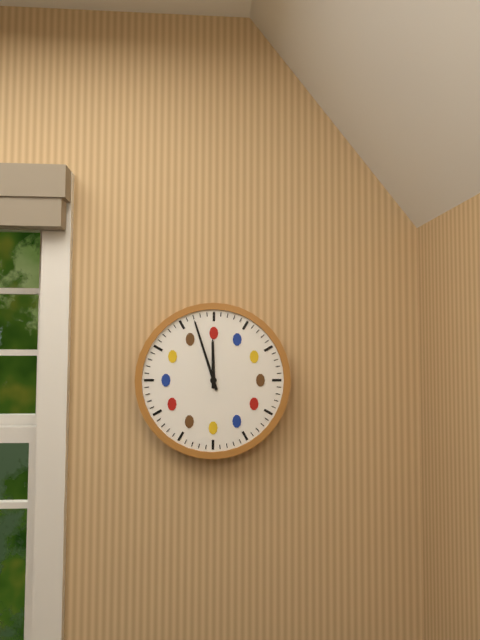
11:57
